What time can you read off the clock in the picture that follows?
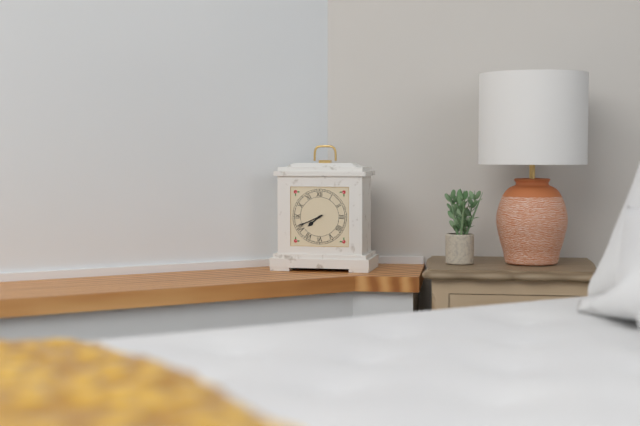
7:41
